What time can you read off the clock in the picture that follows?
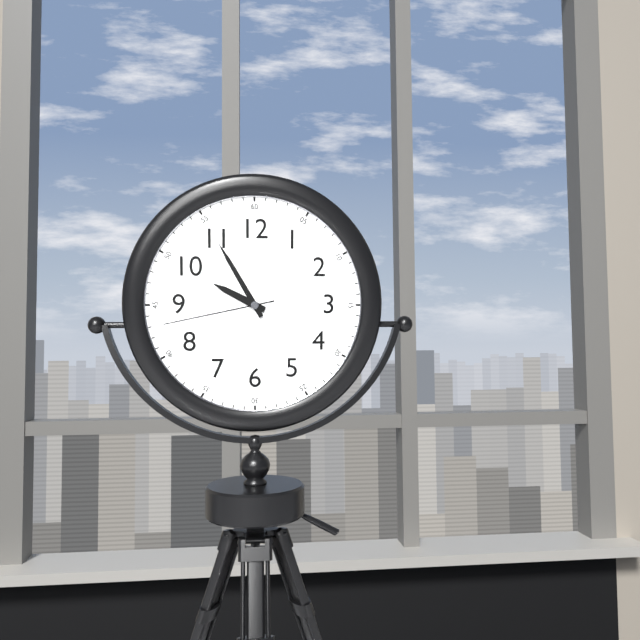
9:55:43
